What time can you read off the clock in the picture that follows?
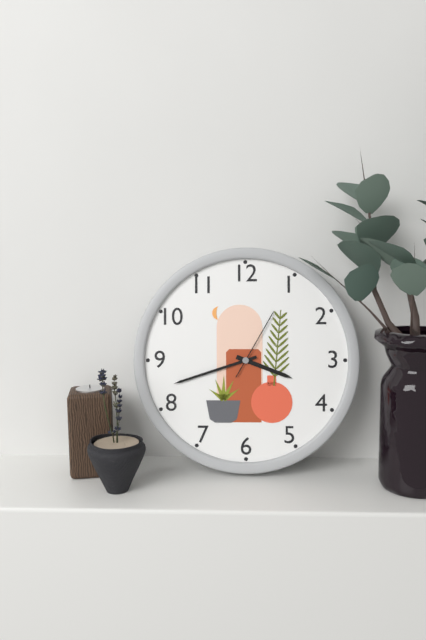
3:42:05
